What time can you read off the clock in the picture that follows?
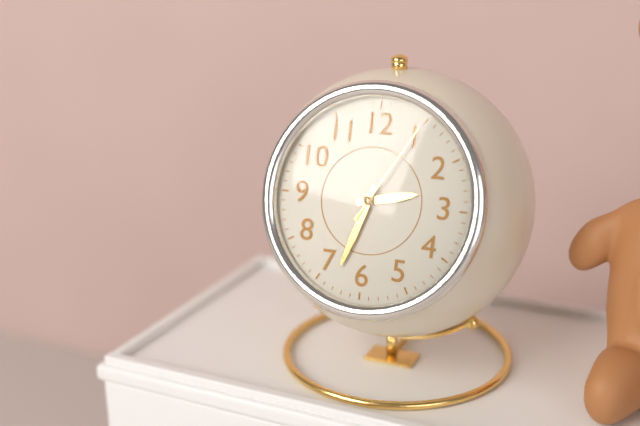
2:33:05
